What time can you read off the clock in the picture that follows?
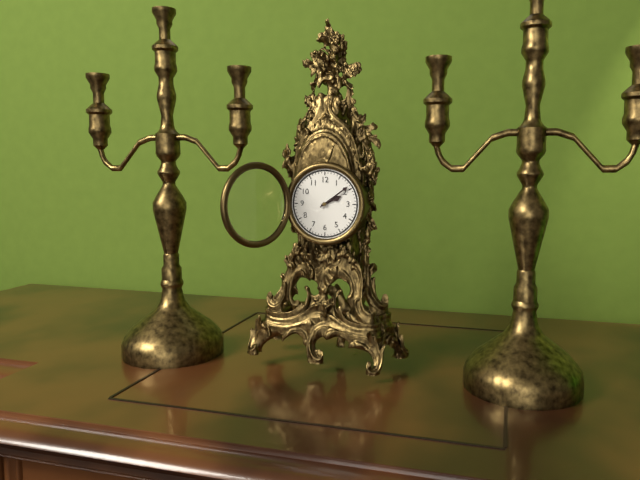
2:09
